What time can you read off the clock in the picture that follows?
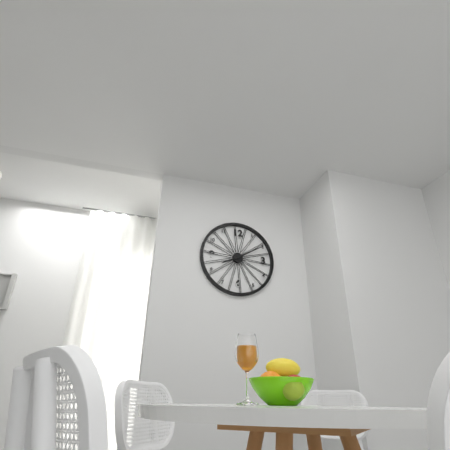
8:10
